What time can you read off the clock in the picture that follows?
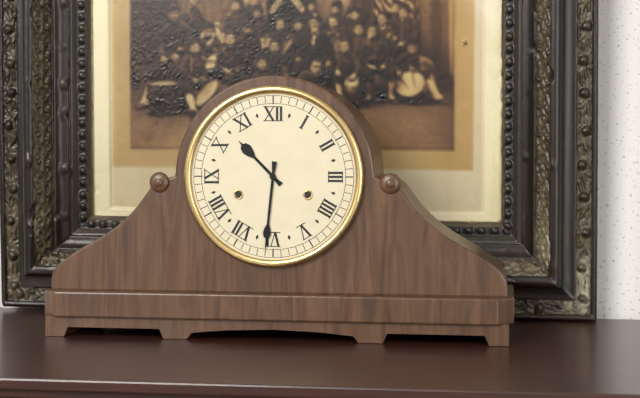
10:31
